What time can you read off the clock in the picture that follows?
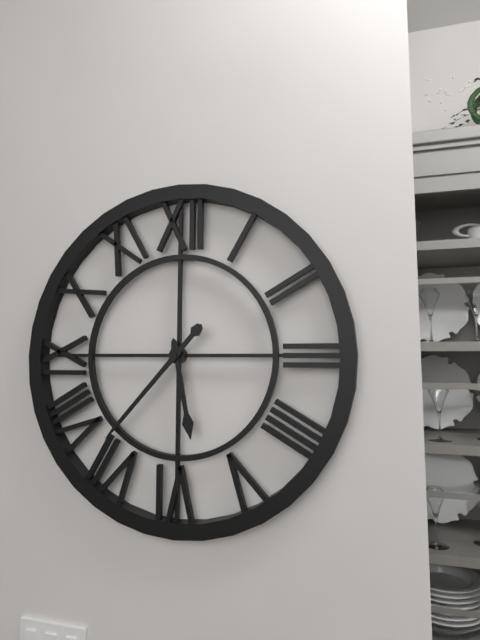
5:37
